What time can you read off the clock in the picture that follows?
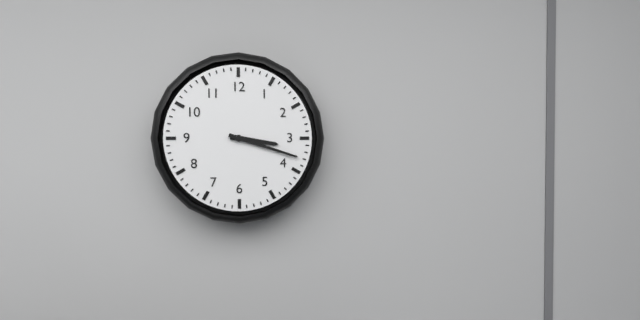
3:18
